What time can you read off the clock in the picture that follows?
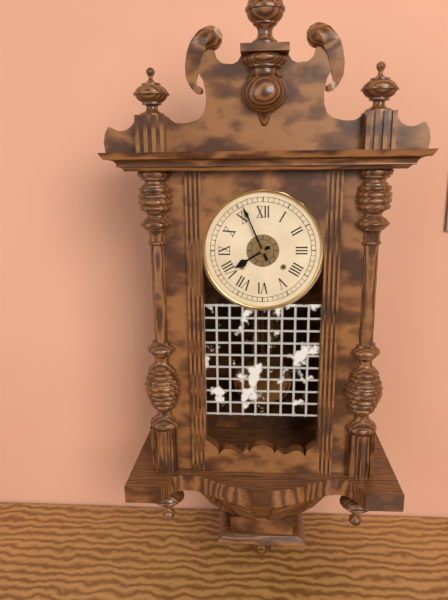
7:56
